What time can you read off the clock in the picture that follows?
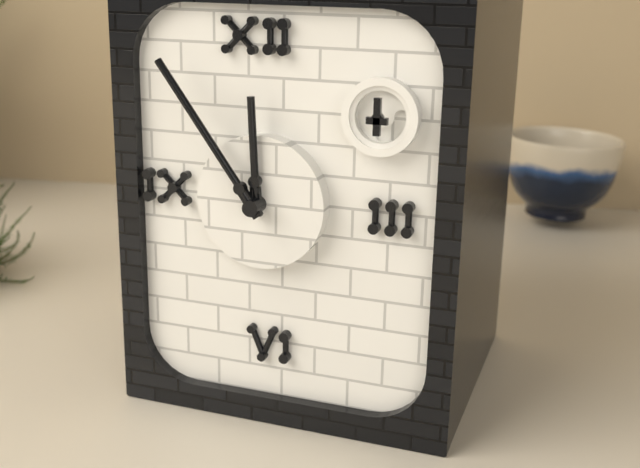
11:54
